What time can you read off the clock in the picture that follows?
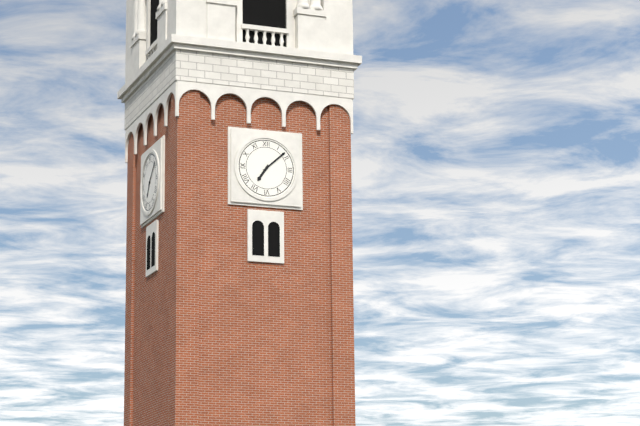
7:08
